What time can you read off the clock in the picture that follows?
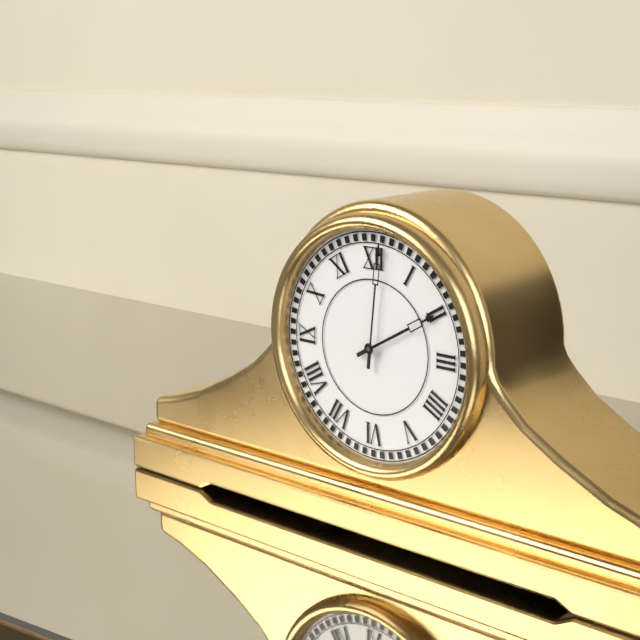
2:01
